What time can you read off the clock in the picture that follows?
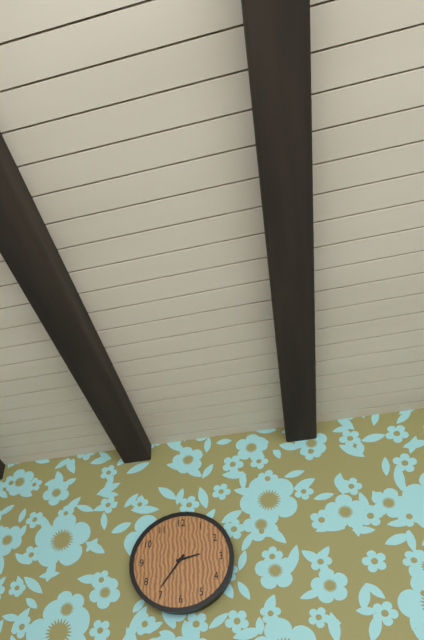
2:36
